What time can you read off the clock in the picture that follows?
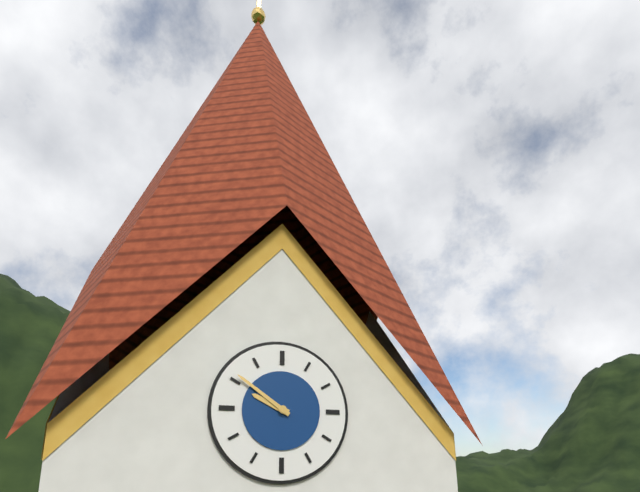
9:51
